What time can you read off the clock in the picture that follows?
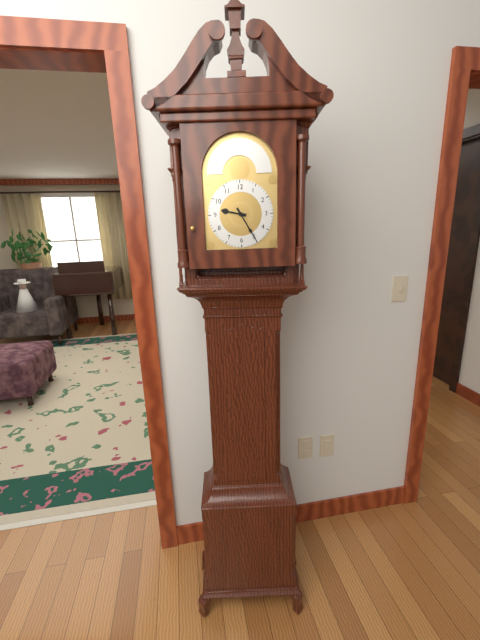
9:25
